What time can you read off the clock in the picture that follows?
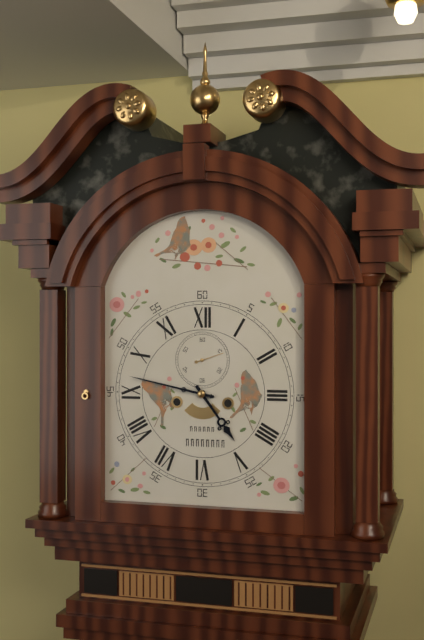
4:47
